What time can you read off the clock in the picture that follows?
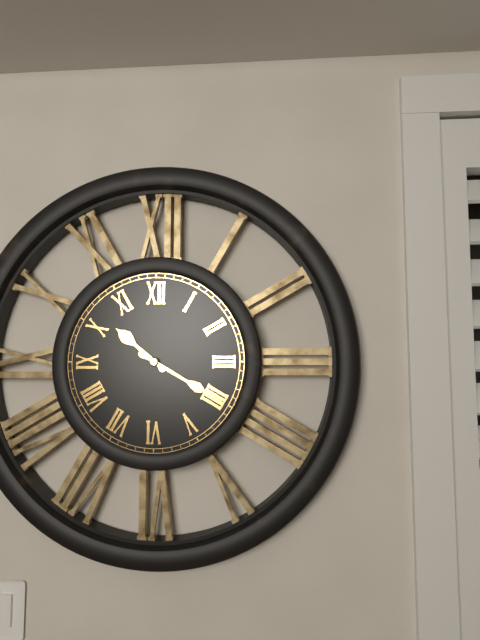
10:20
